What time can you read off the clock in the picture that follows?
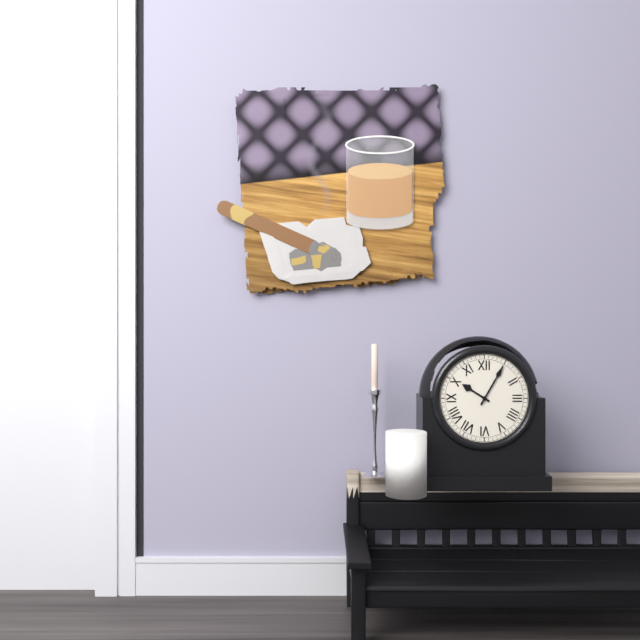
10:05
